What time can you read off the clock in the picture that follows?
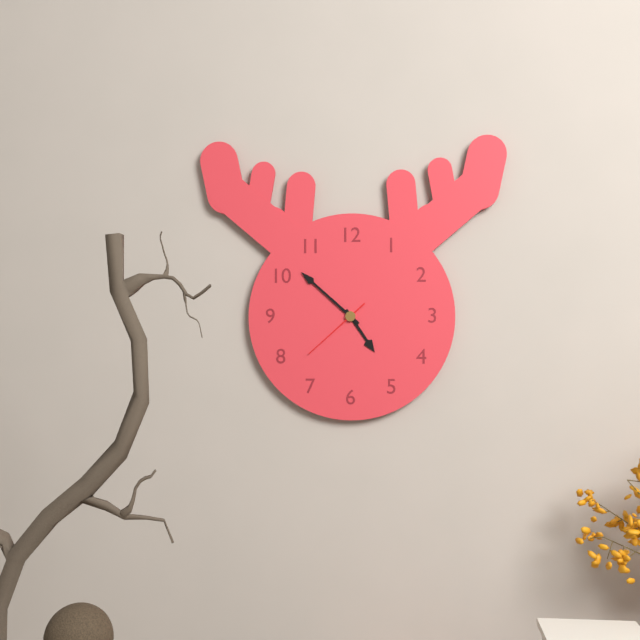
4:52:38
